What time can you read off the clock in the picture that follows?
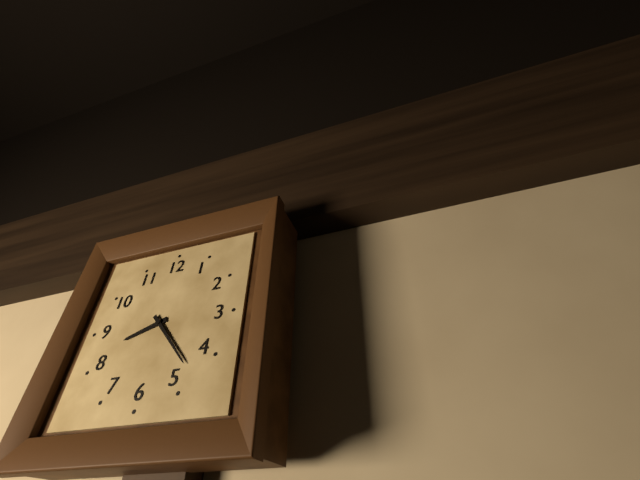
8:23
